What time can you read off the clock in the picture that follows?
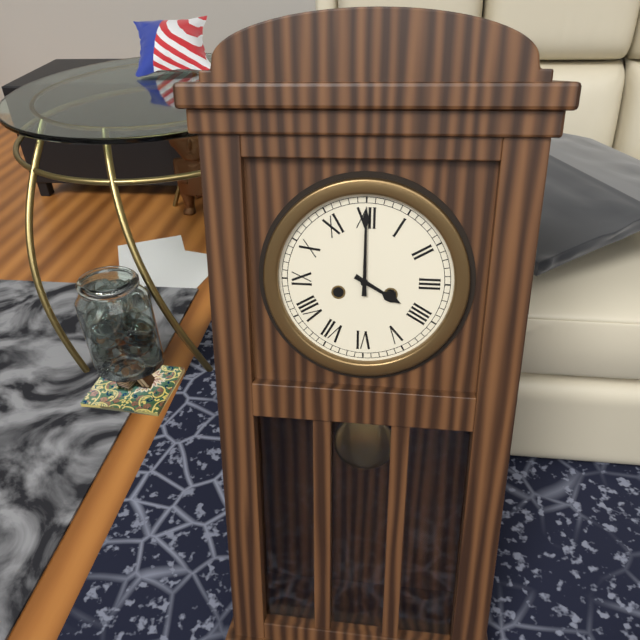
4:00
